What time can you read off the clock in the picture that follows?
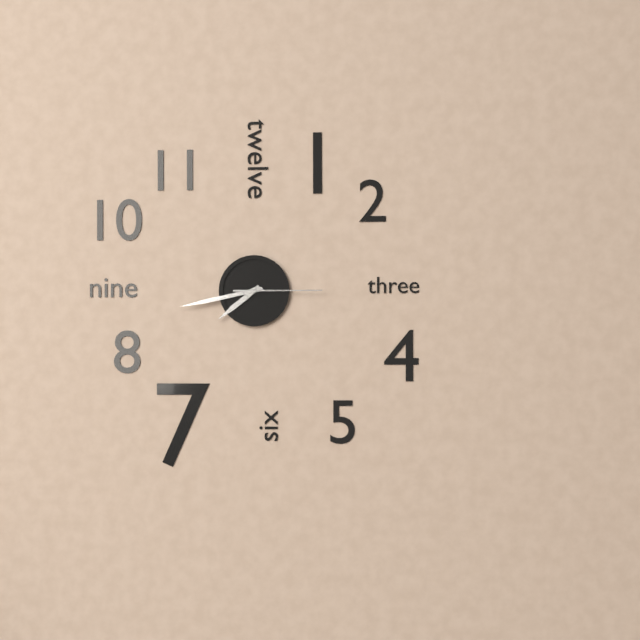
7:43:15
